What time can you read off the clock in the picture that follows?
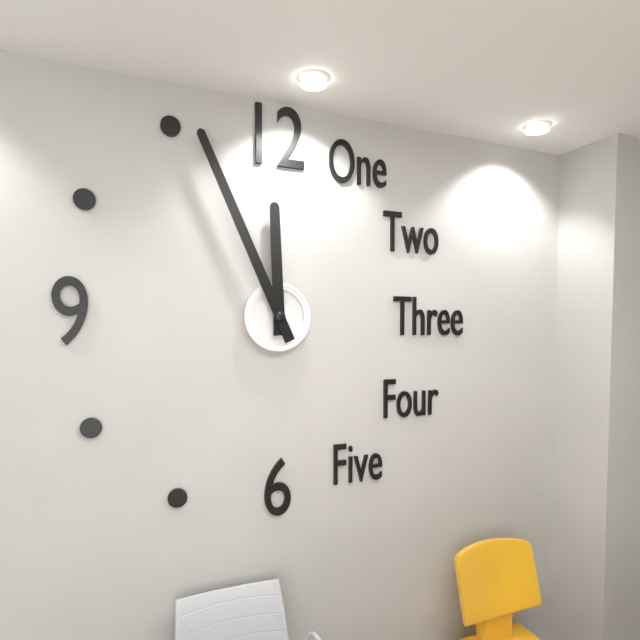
11:56
